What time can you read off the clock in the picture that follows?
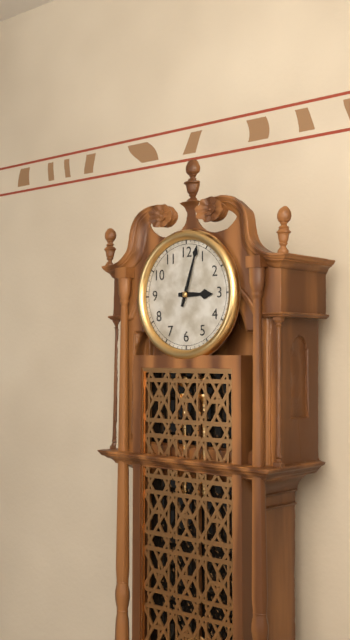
3:03
